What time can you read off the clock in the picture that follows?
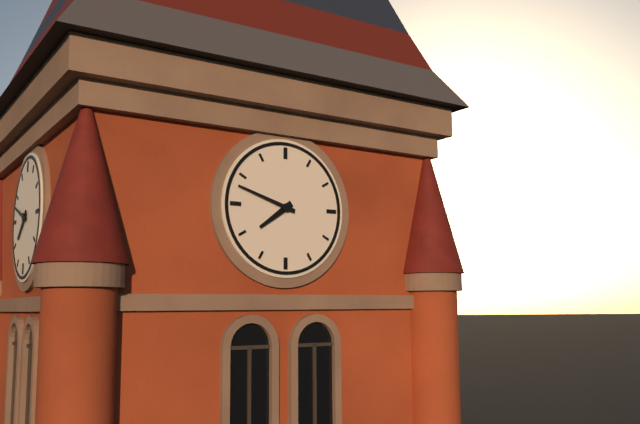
7:48
